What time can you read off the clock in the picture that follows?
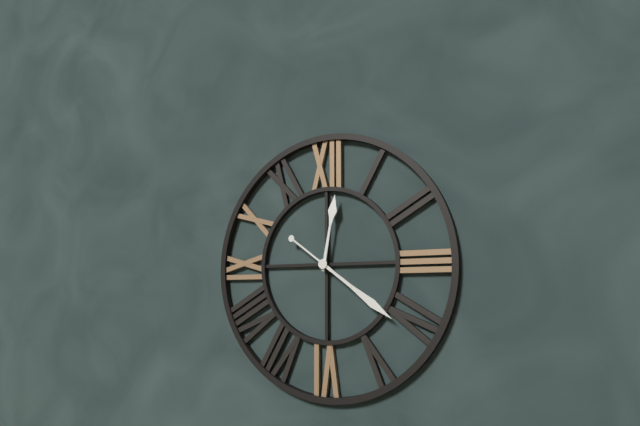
12:21
